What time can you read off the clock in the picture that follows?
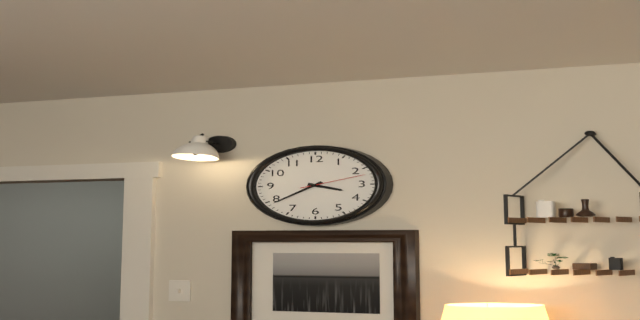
3:39:12
